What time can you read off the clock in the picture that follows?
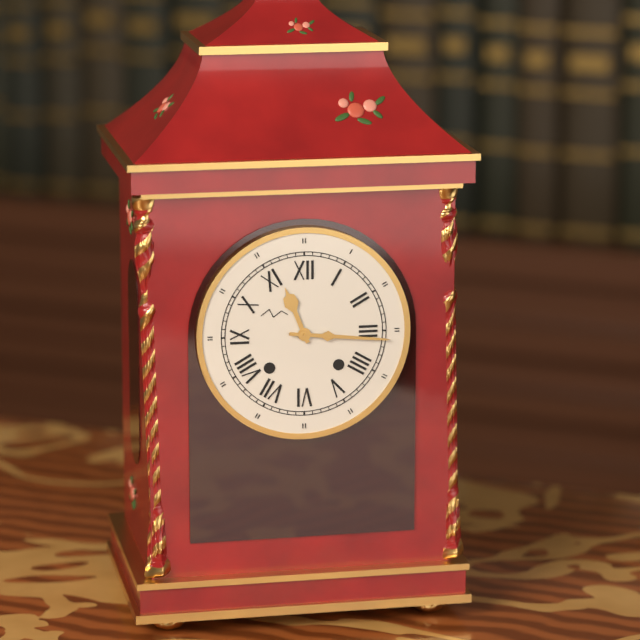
11:16
